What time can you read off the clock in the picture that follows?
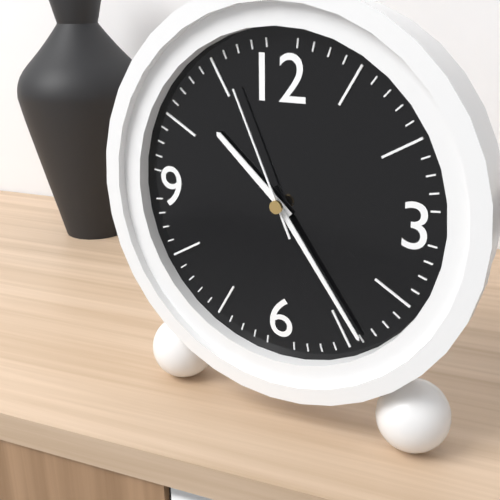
10:24:56
